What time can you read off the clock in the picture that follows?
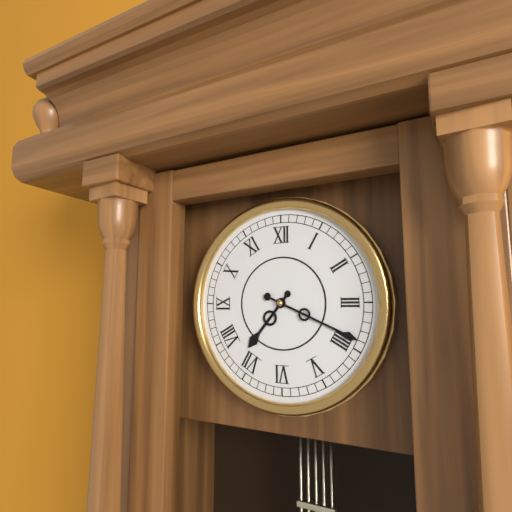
7:19
